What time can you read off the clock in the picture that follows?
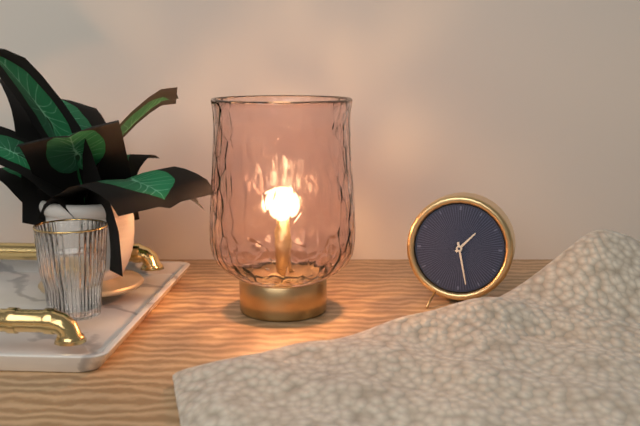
1:28
